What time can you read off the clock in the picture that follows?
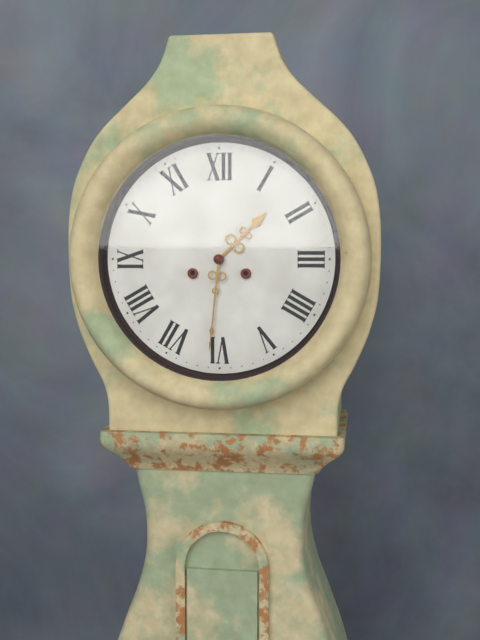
1:31
